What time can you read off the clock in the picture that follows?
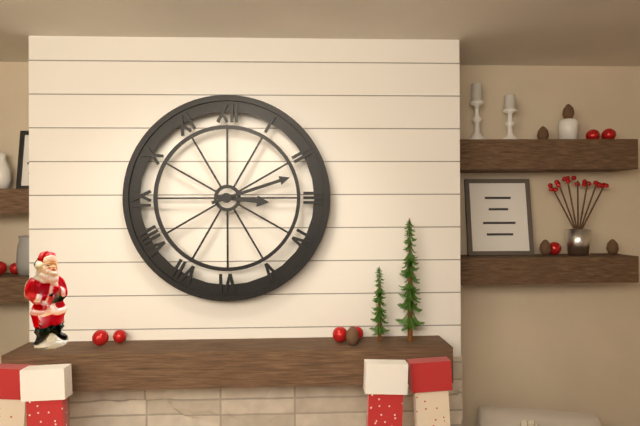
3:12
